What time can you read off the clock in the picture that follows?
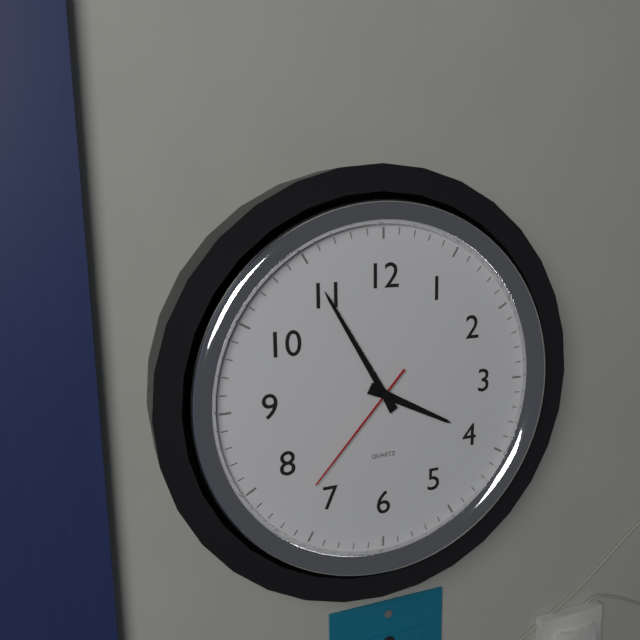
3:55:37
